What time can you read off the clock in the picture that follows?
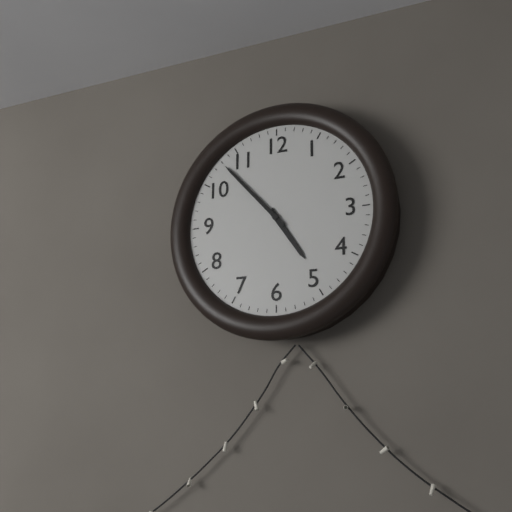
4:53
